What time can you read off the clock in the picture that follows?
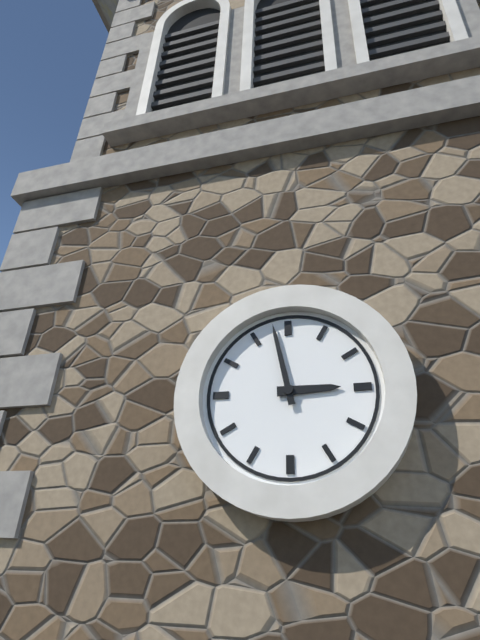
2:58
